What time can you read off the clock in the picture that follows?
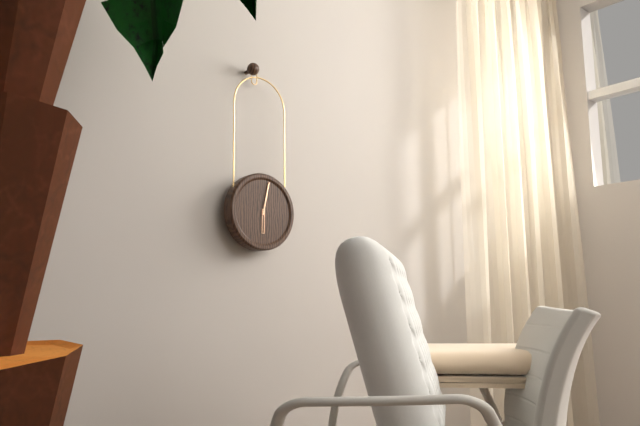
6:02
